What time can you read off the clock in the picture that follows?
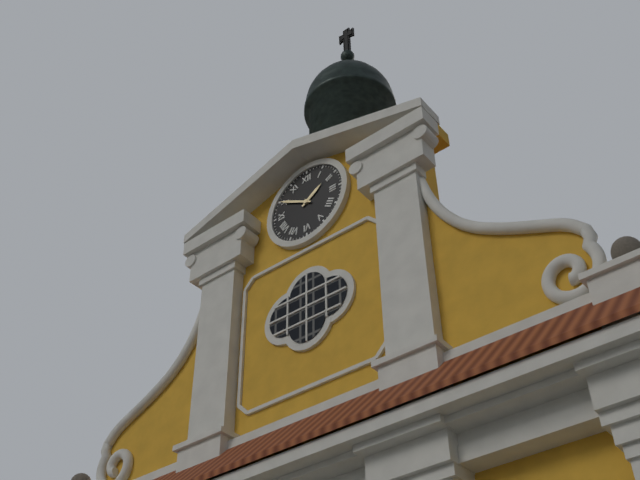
1:50
